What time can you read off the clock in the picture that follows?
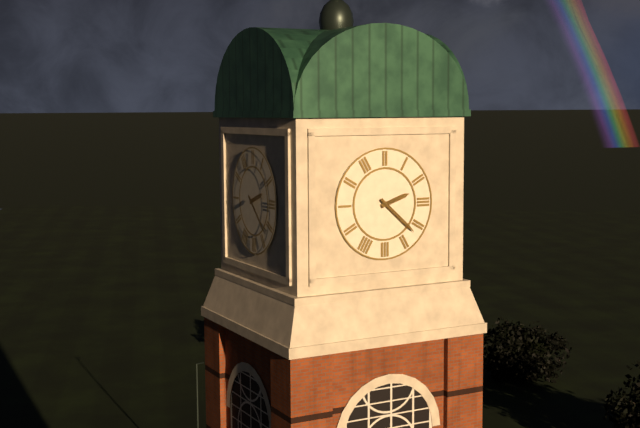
2:22
